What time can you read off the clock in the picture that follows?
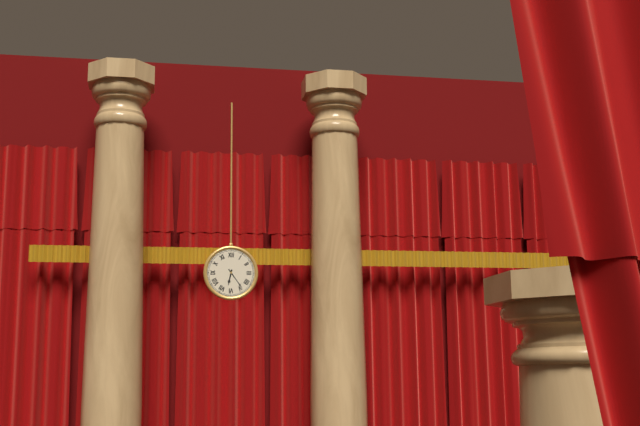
6:24
